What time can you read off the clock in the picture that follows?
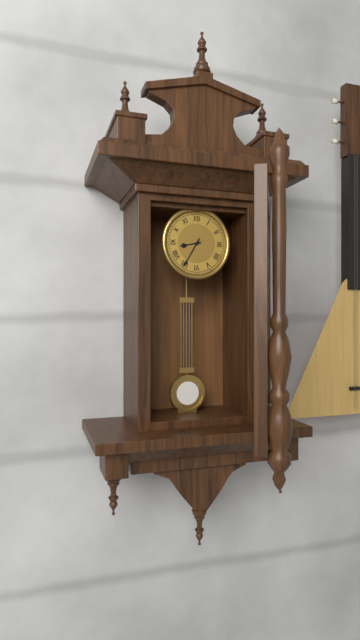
8:35
